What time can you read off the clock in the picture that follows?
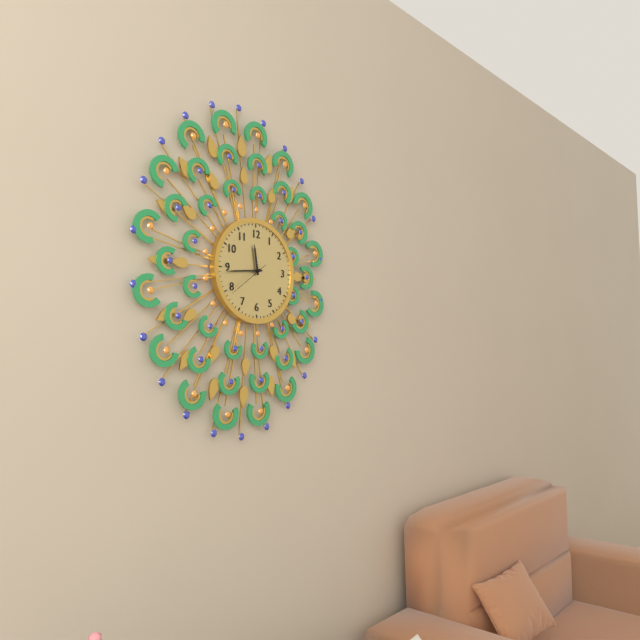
11:44
